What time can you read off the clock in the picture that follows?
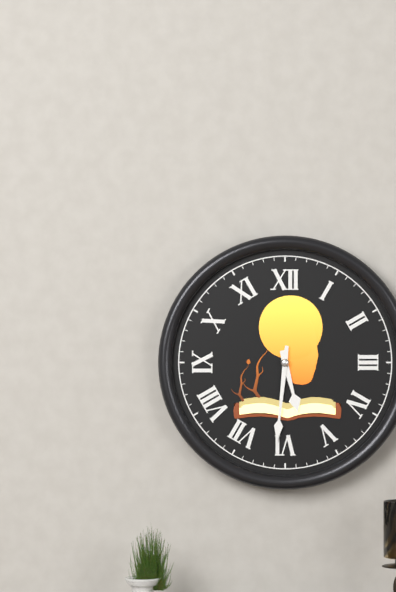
5:31
